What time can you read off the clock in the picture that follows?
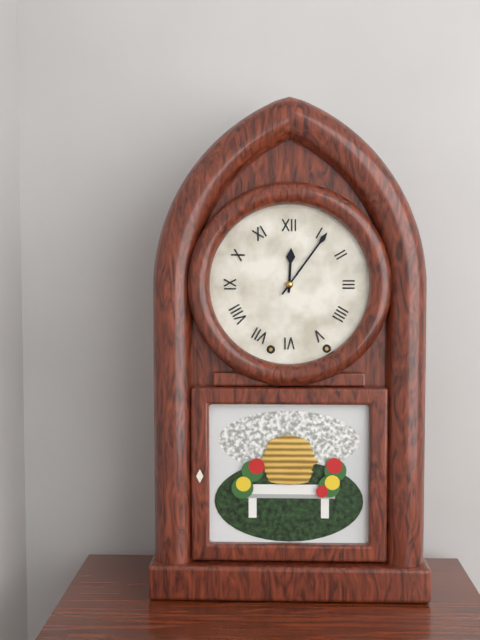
12:06
